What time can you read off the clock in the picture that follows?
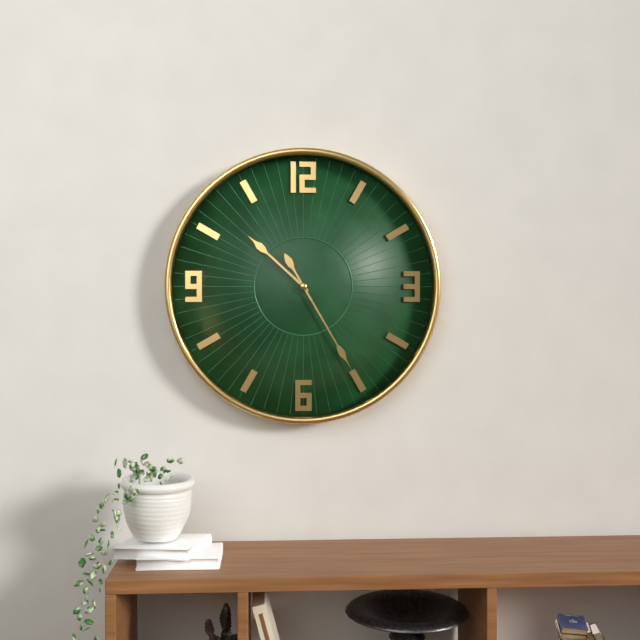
10:25
